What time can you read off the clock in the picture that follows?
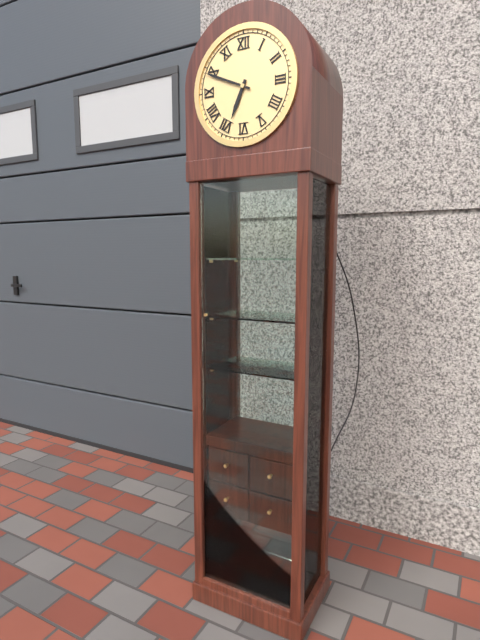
6:49
